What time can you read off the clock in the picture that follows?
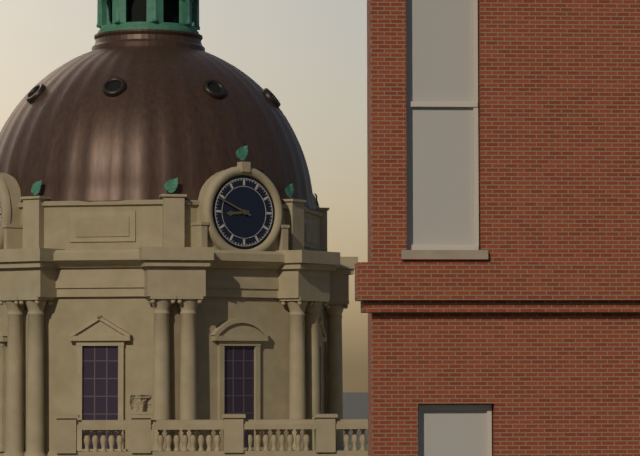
8:49
